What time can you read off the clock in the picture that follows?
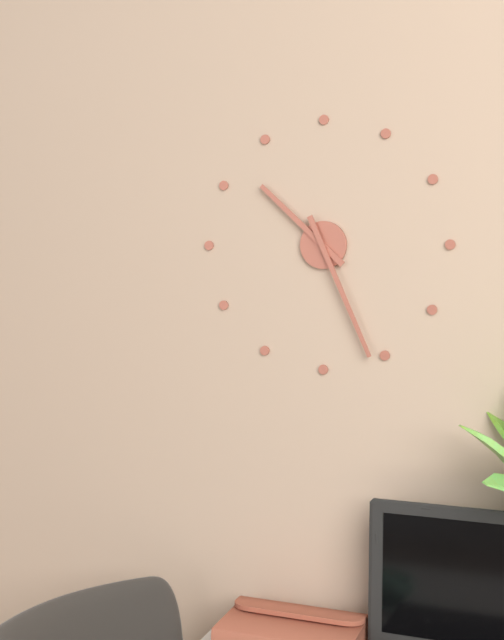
10:26
